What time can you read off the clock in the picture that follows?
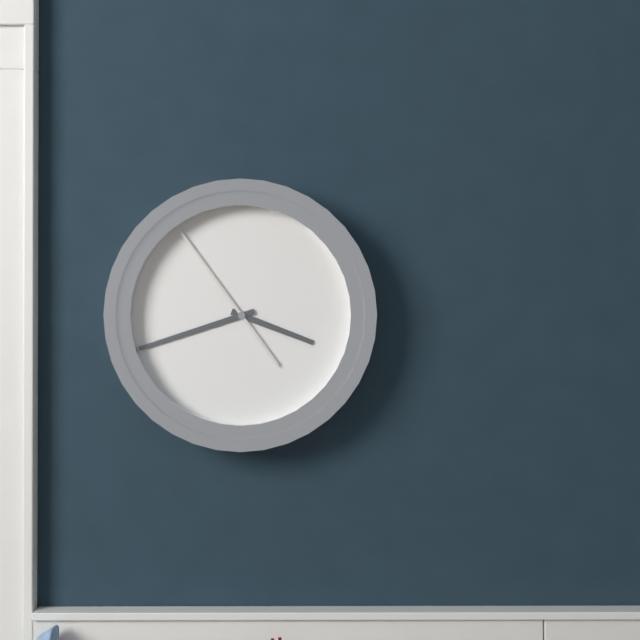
3:42:54
